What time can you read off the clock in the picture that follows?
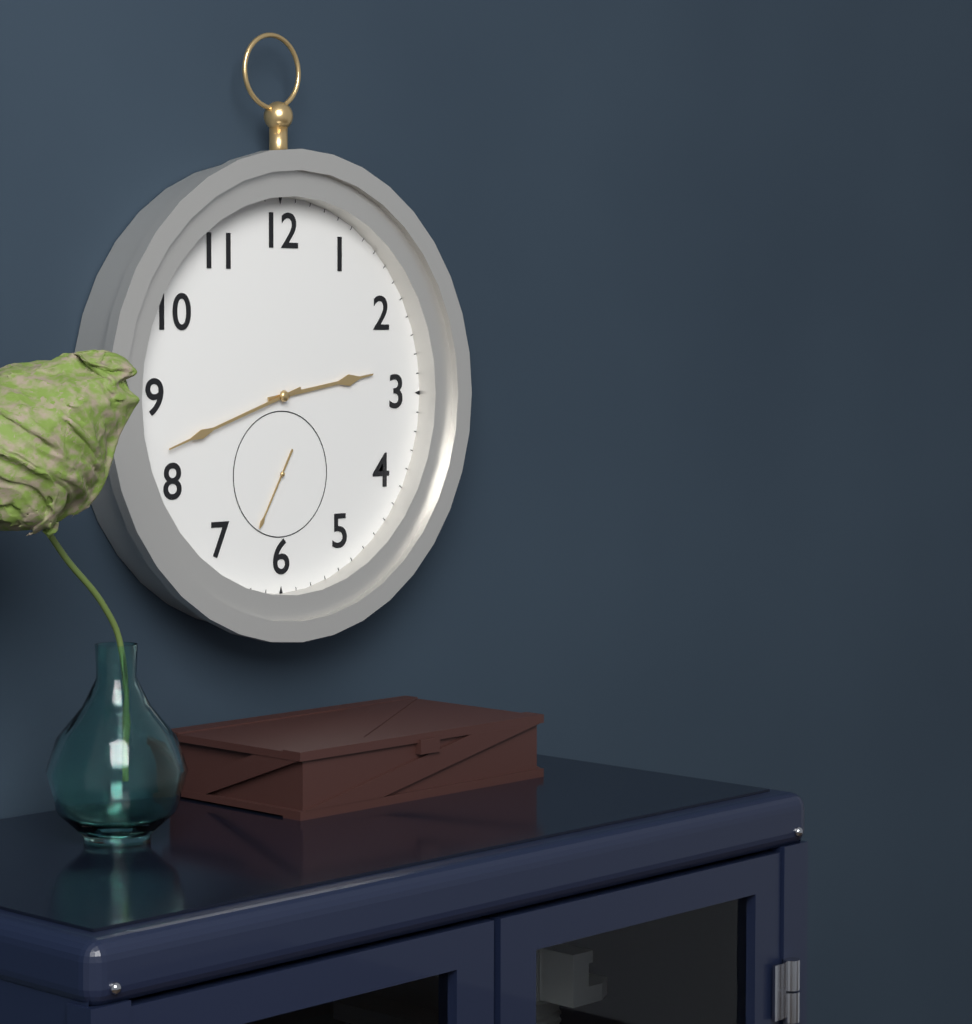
2:42:35
